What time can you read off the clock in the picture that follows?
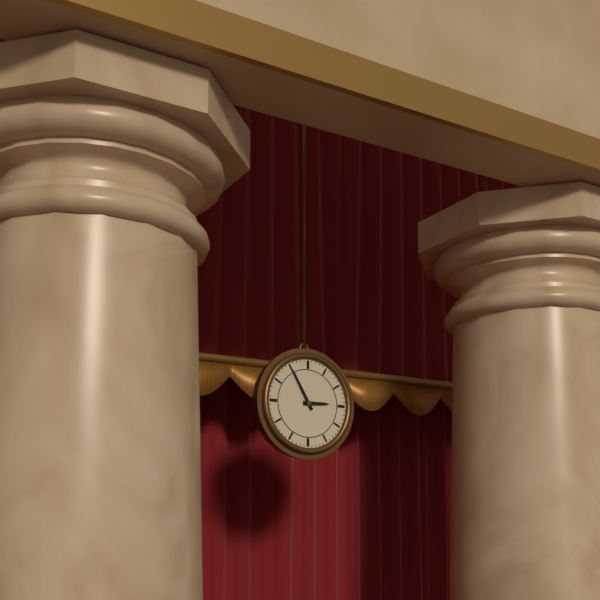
2:55
